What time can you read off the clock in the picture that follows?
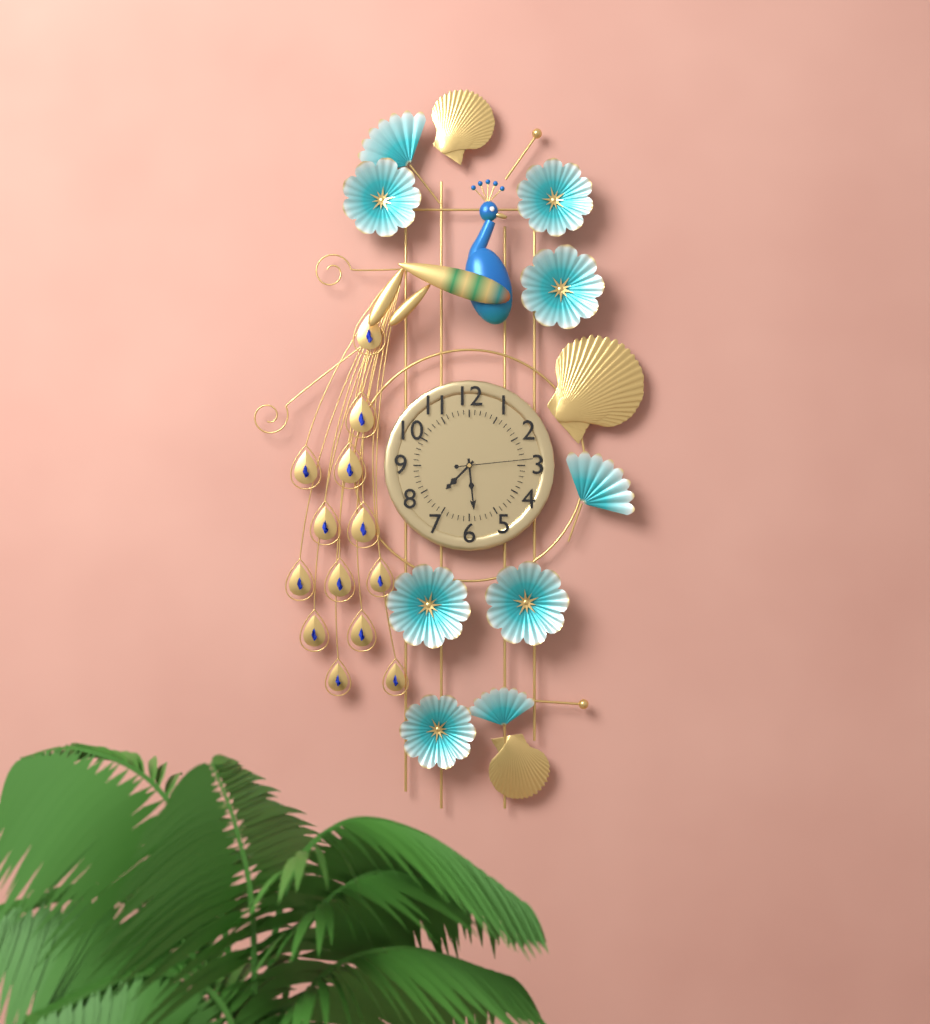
7:29:14
